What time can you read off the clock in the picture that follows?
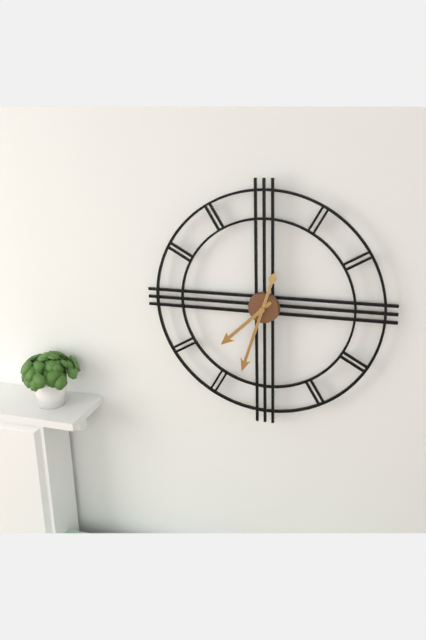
7:33
